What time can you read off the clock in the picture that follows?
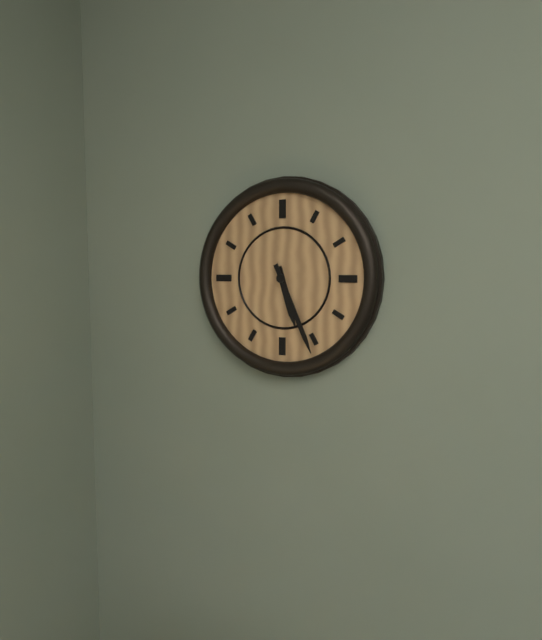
5:26
